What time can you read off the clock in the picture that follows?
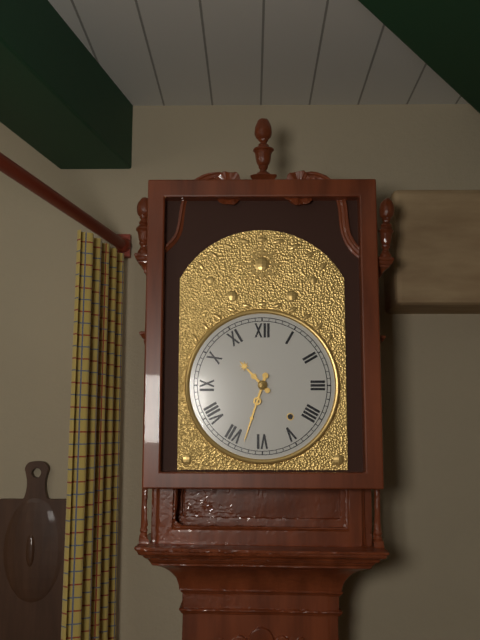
10:33
